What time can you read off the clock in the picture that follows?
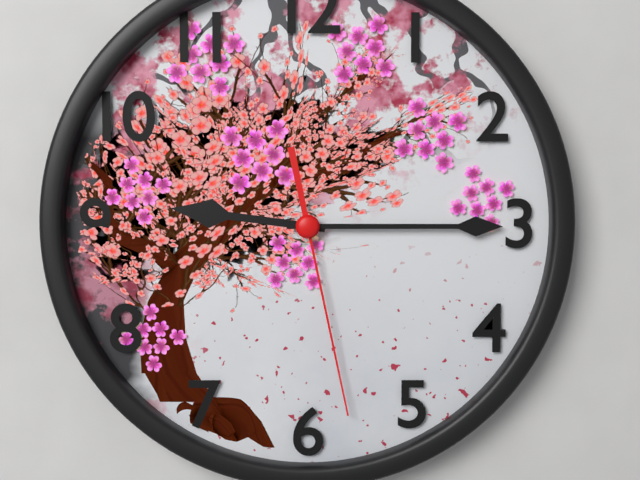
9:15:28
